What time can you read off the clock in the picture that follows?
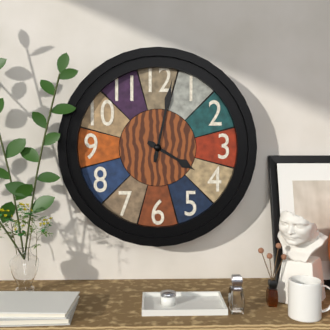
4:02
